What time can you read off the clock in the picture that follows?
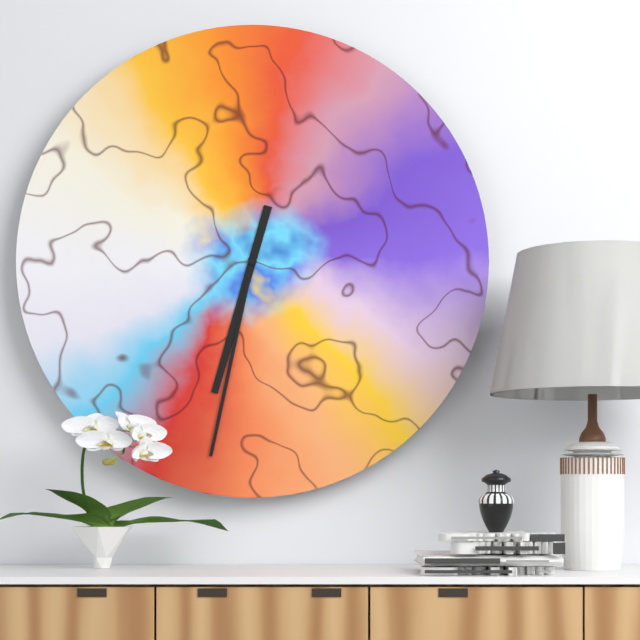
6:32
